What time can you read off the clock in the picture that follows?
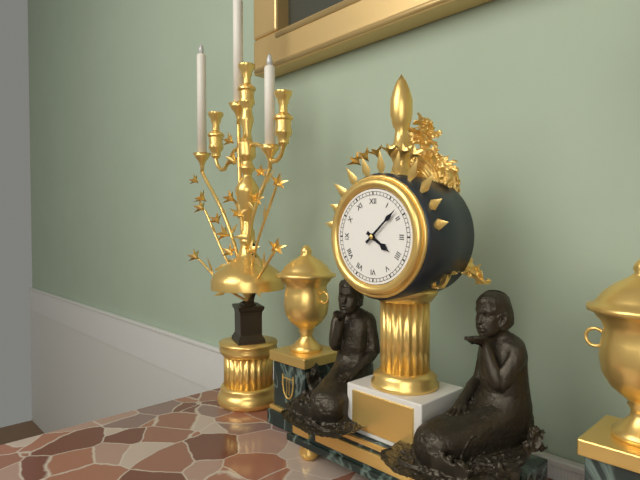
4:08
